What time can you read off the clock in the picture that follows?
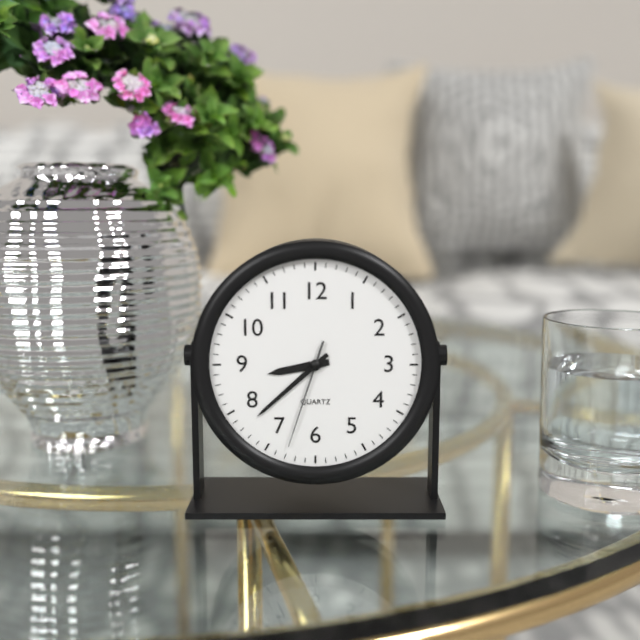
8:38:33
